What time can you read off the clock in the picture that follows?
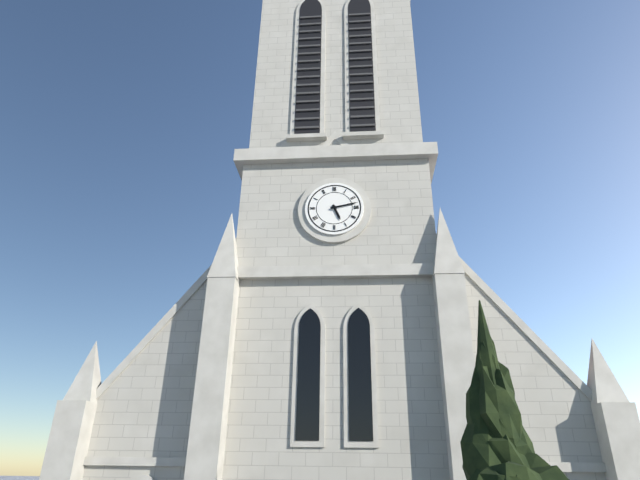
5:13
